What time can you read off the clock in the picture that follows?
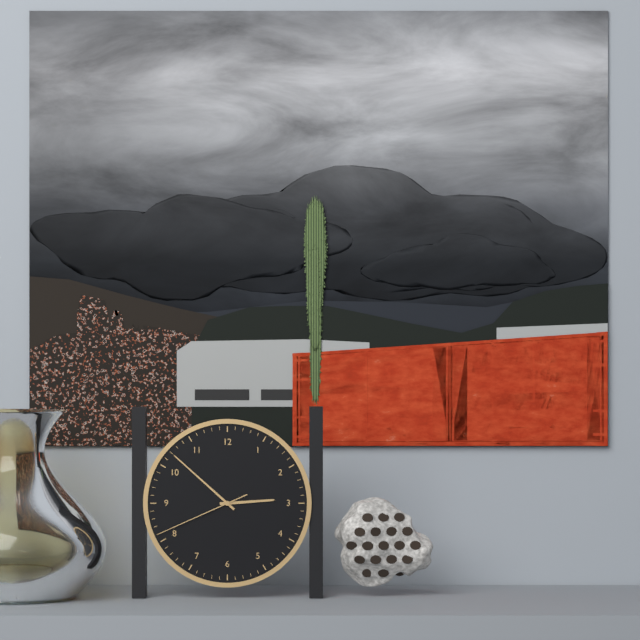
2:52:41
